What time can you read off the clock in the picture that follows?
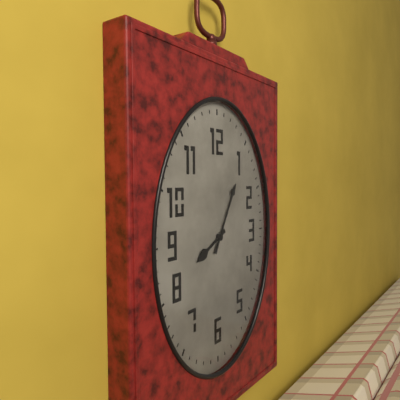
8:05
